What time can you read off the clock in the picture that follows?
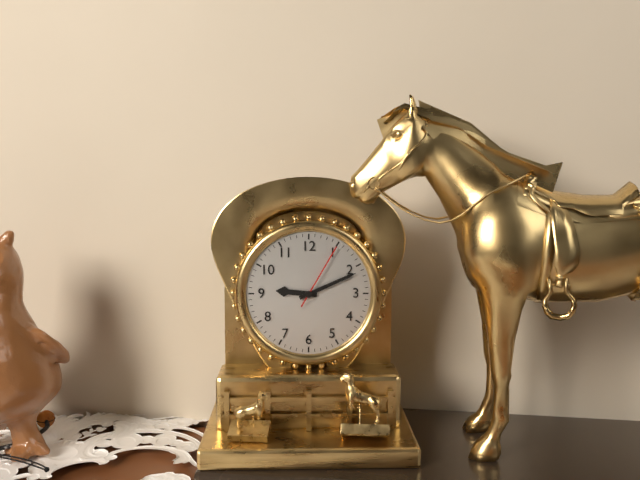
9:11:05
